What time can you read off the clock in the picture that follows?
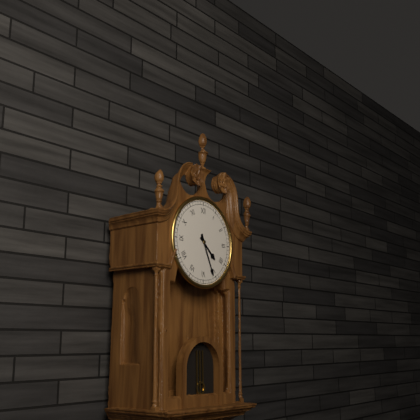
4:26
